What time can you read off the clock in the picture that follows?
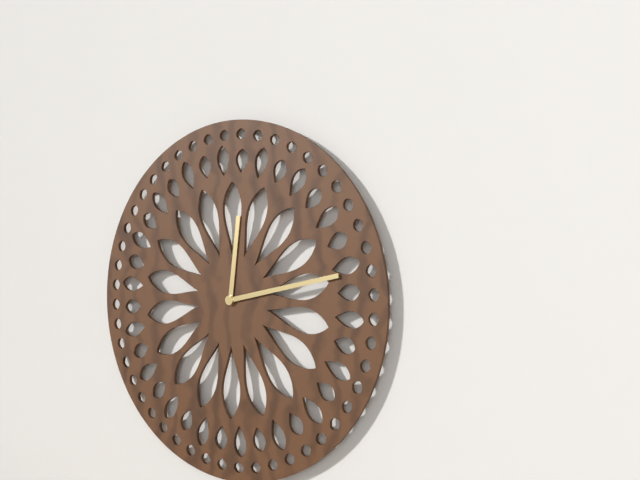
12:13
